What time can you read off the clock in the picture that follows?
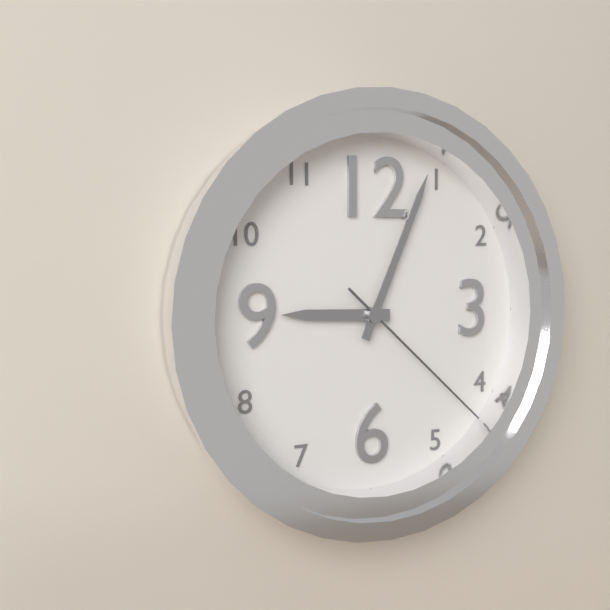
9:04:22
